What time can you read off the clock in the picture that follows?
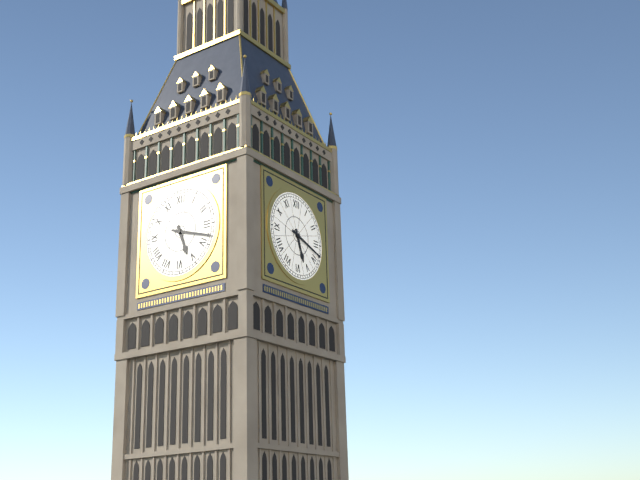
5:18
